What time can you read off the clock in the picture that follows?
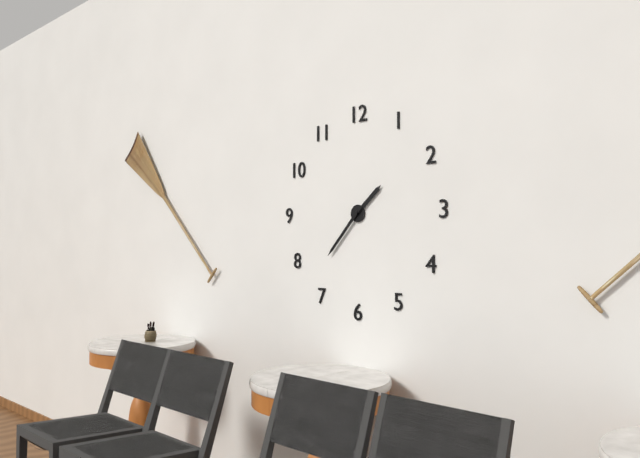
1:37
